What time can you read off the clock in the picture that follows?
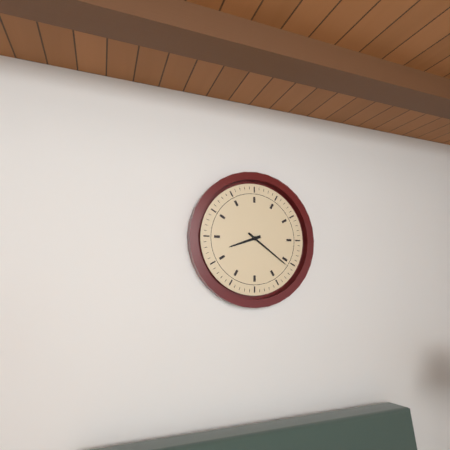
8:21
